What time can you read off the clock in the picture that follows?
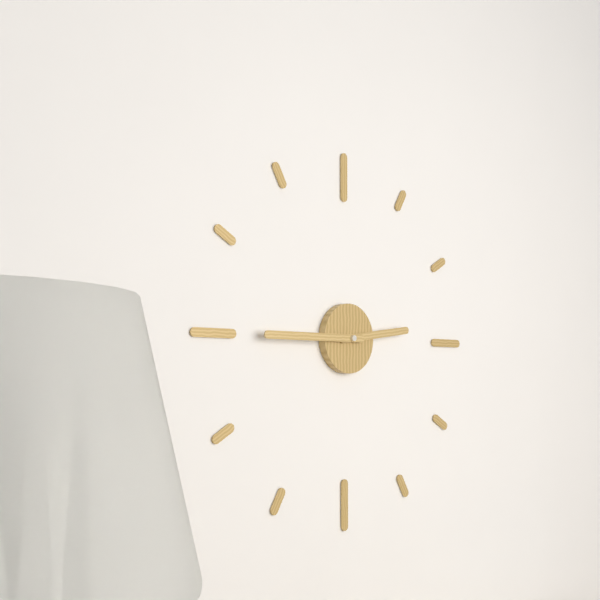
2:45
